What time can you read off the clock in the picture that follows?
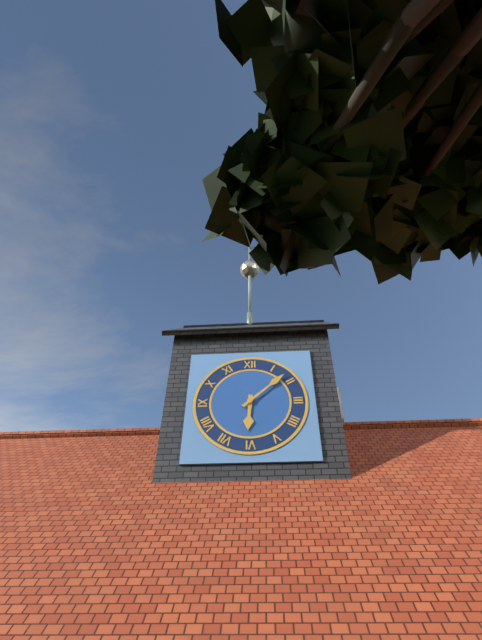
6:08
